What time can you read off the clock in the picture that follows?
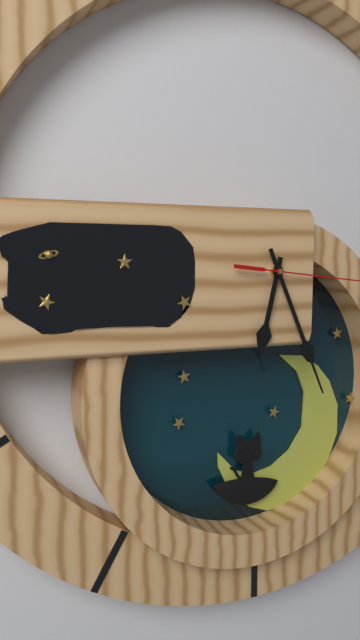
6:26
